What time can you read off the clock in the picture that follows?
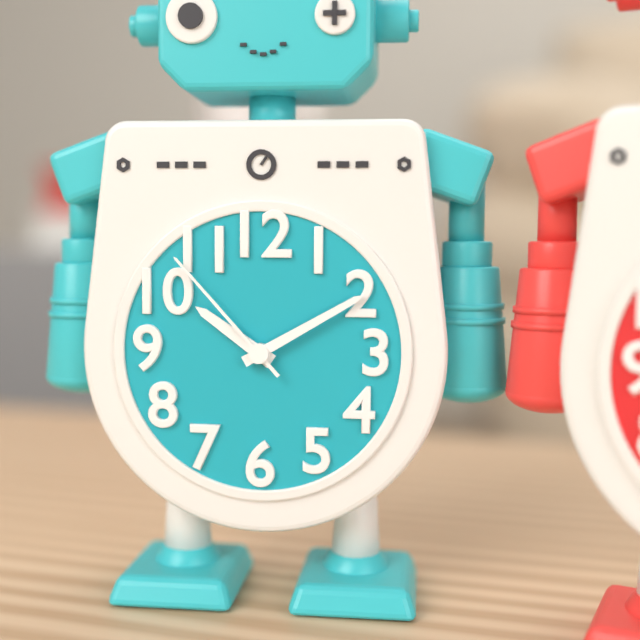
10:10:53
